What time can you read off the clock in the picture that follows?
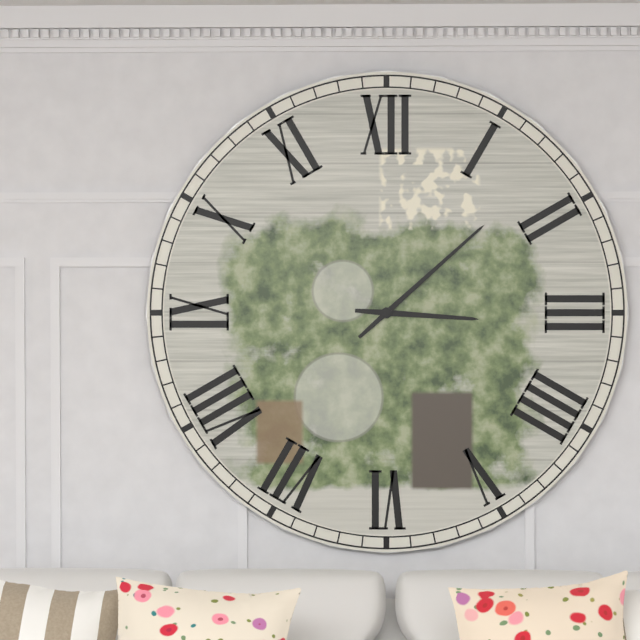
3:08
